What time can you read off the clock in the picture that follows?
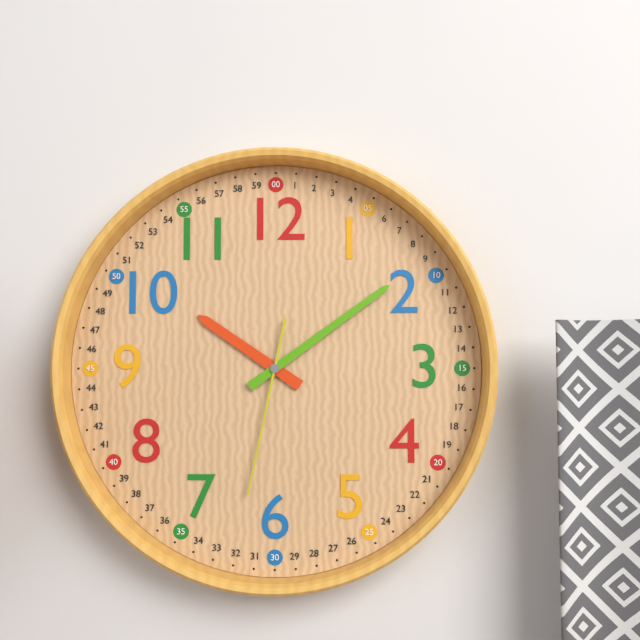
10:09:32
